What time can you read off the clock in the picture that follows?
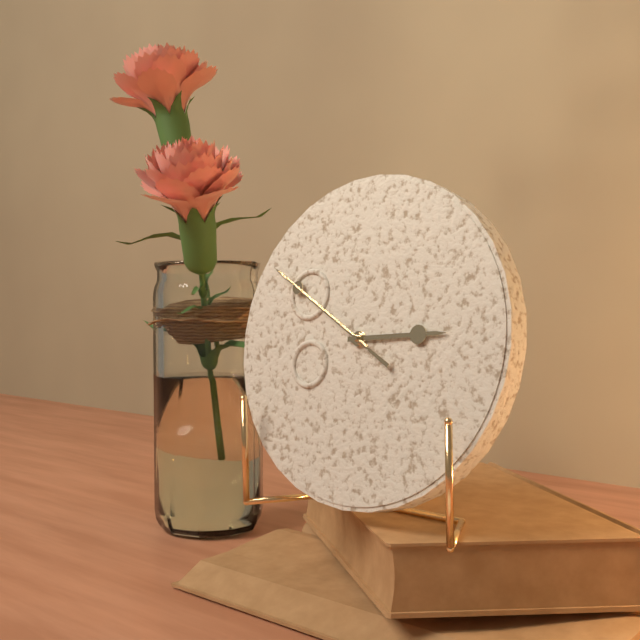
2:50:50
